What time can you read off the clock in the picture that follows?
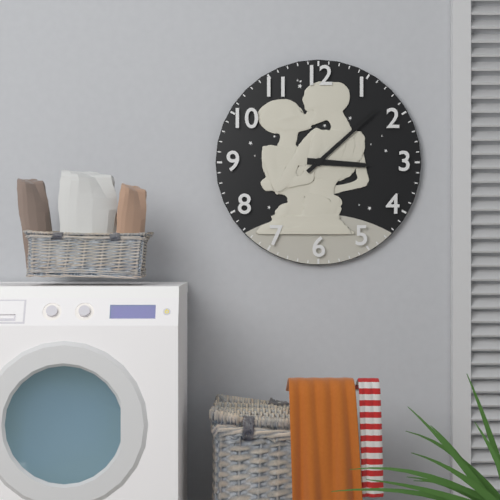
3:08
